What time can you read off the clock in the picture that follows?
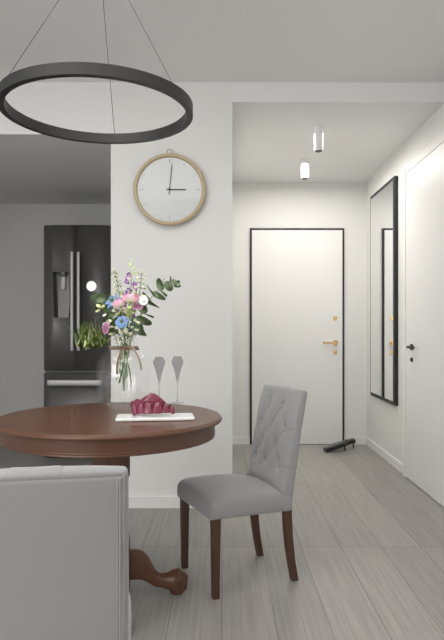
3:01
